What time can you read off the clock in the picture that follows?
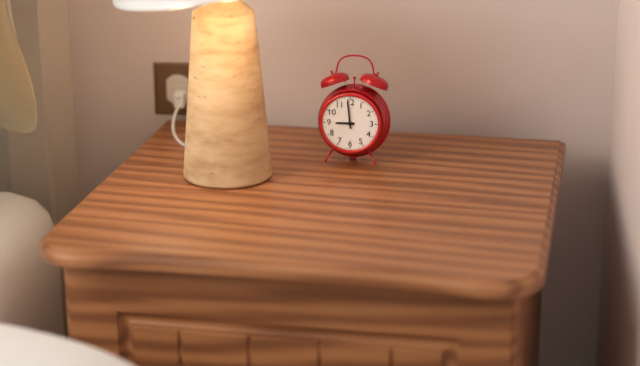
8:59
